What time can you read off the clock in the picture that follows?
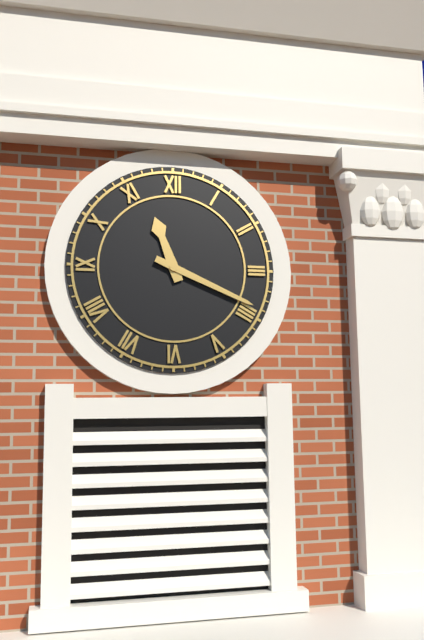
11:19
